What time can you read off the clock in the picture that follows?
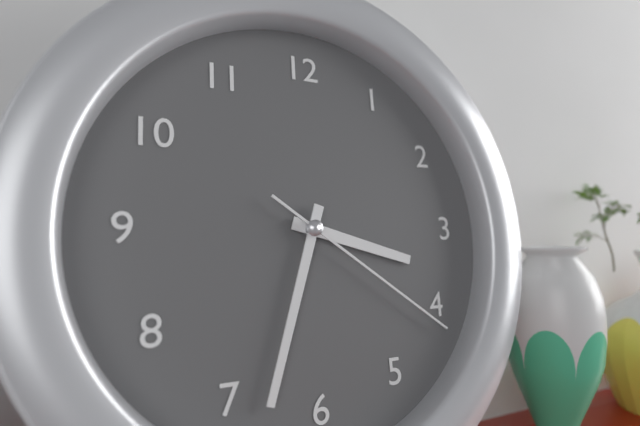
3:33:21
